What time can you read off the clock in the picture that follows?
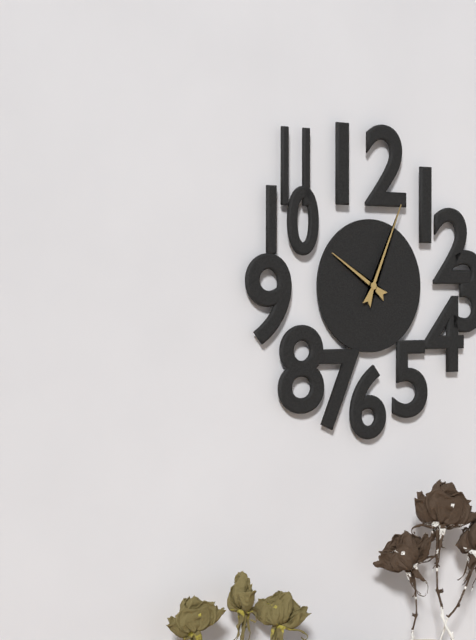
10:04
